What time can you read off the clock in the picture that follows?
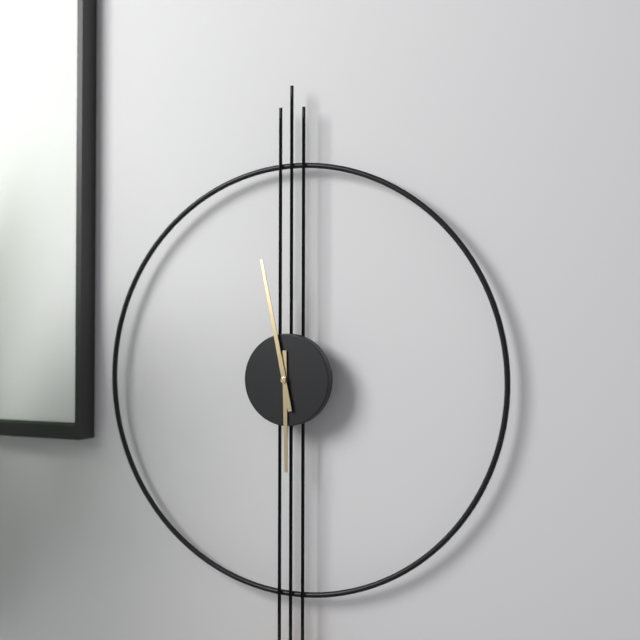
5:58
